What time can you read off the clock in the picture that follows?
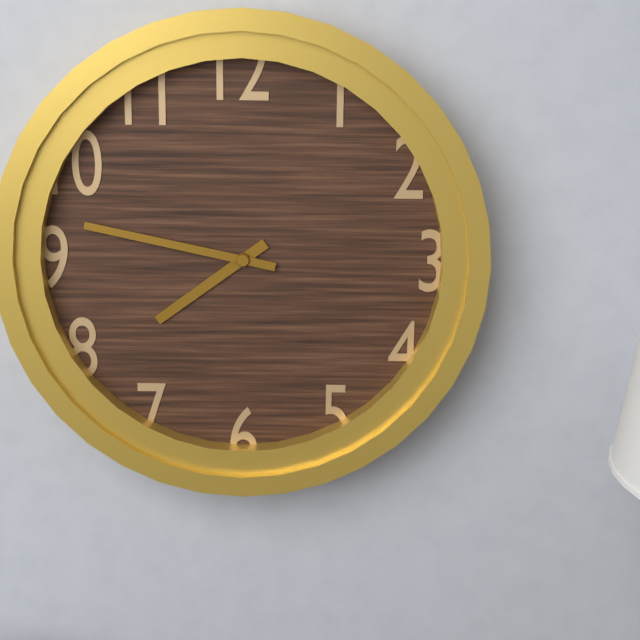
7:47
